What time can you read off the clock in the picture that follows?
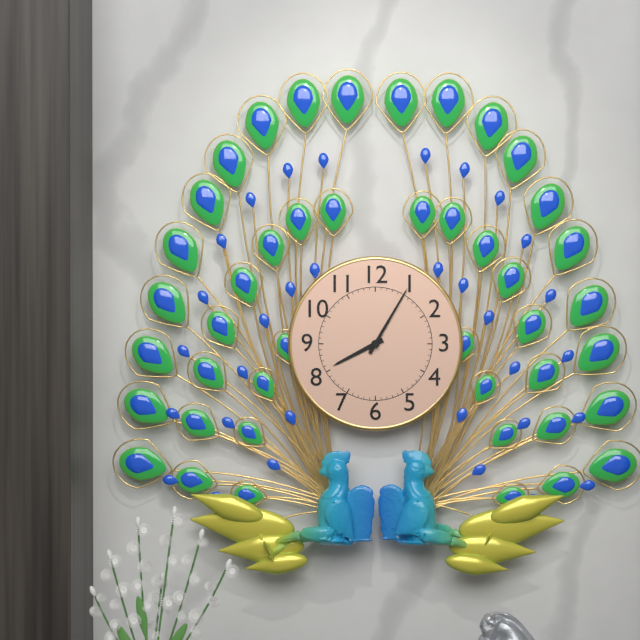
8:05
